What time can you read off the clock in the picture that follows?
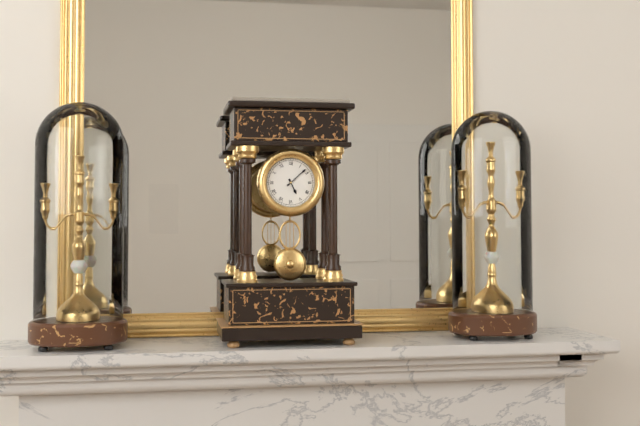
5:08
